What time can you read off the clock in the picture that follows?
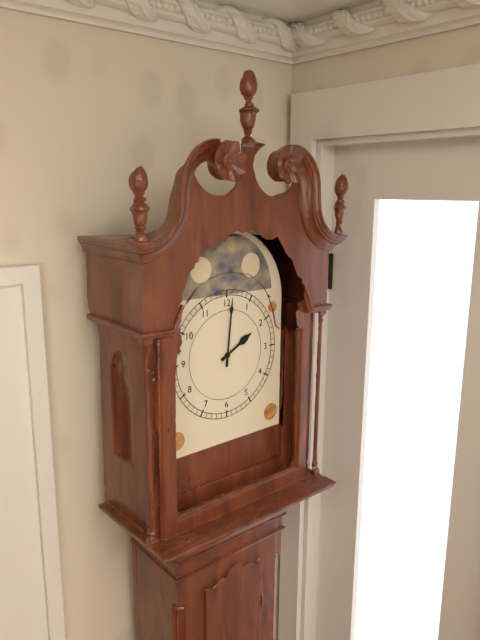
2:01
